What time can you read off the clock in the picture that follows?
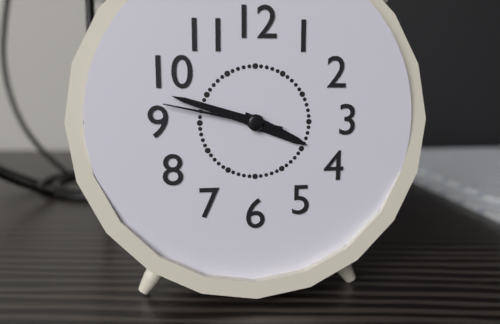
3:48:47
